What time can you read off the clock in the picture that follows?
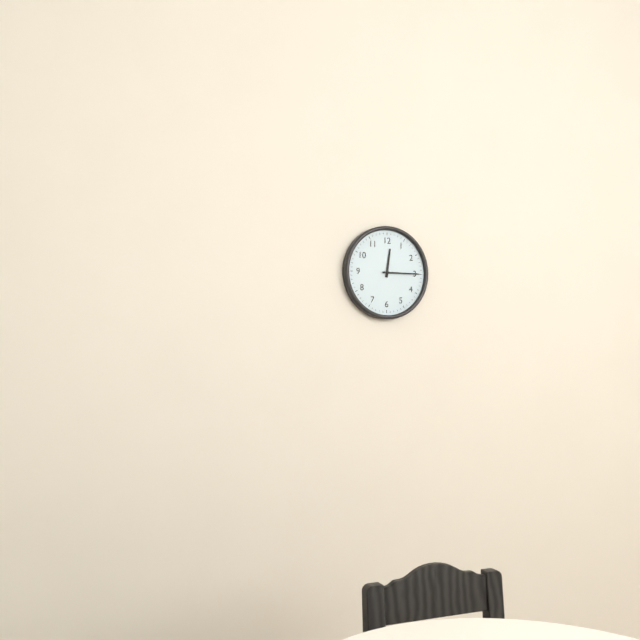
12:15
